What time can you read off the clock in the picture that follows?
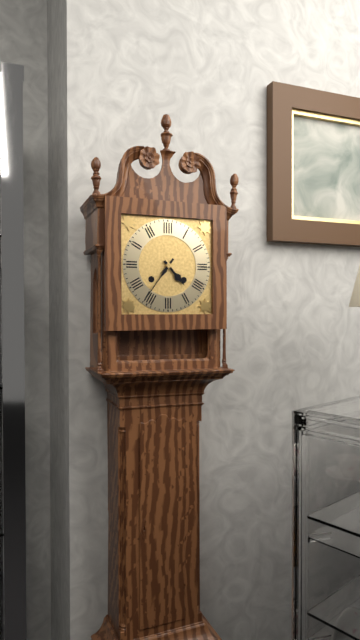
4:36
